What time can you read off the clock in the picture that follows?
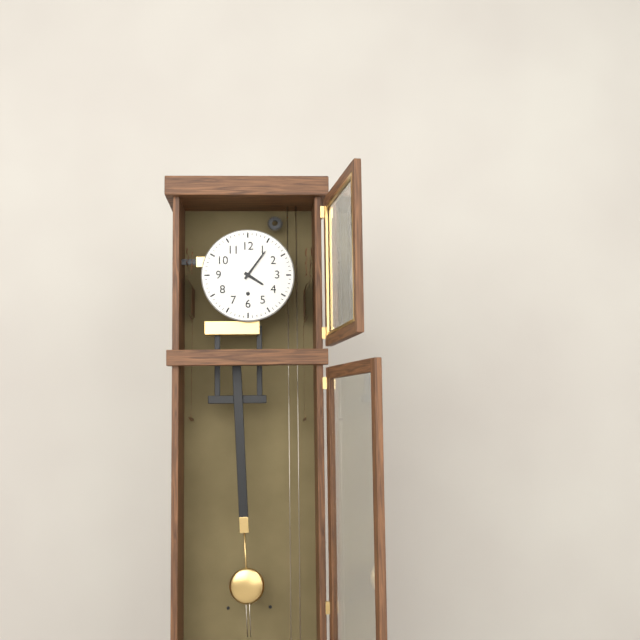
4:06
